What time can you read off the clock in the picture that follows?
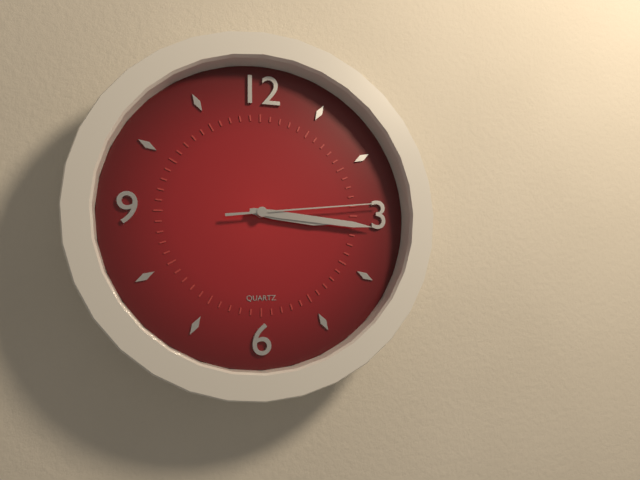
3:16:14
